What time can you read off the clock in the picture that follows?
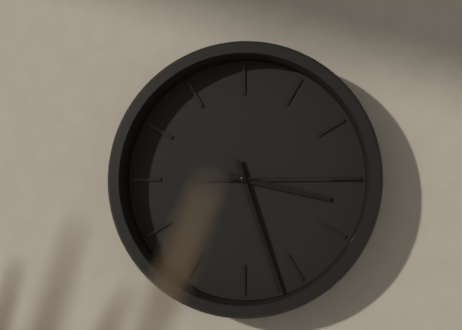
3:27:15
